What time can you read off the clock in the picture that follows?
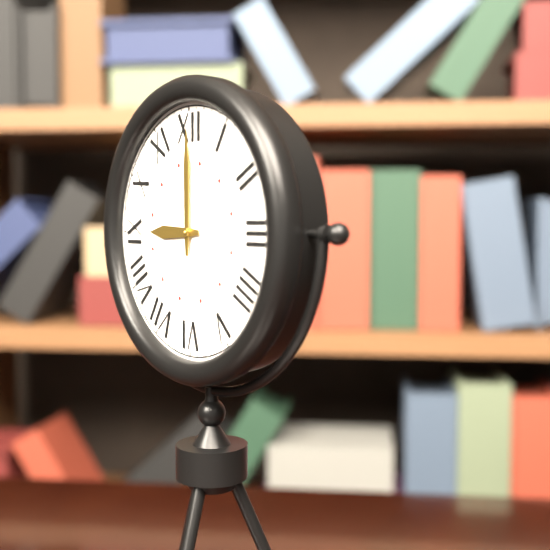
9:00
